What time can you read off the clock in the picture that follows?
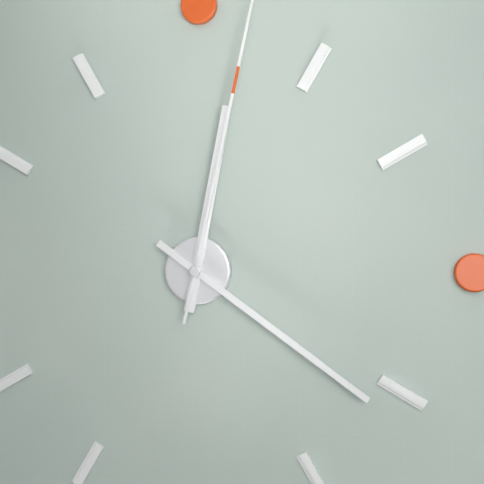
12:21
